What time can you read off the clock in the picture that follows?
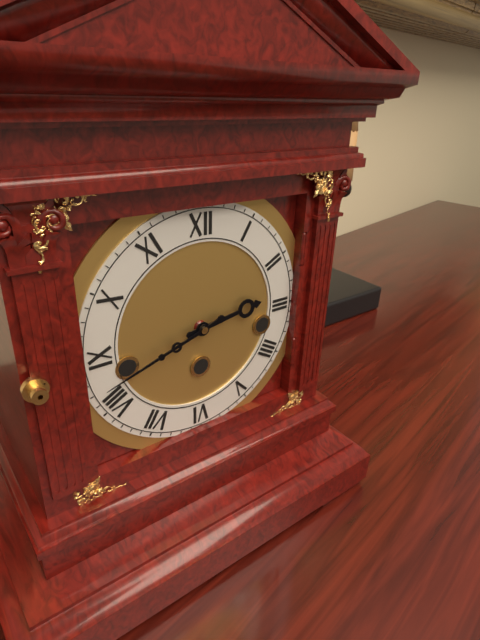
2:42
